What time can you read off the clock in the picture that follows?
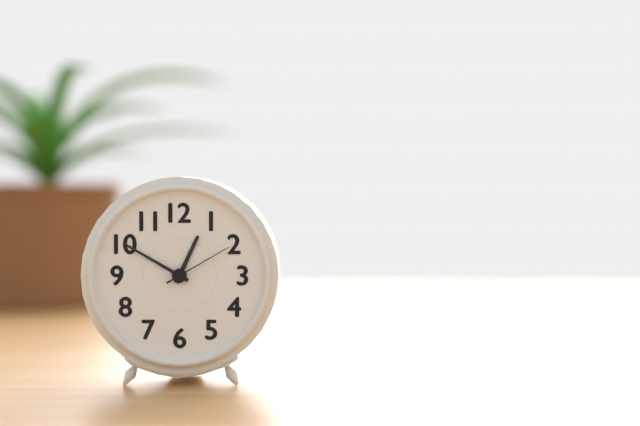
12:50:10
